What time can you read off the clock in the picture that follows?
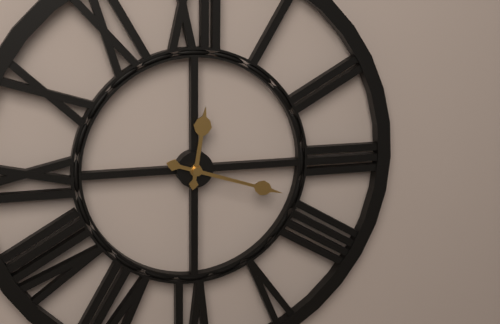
12:18
